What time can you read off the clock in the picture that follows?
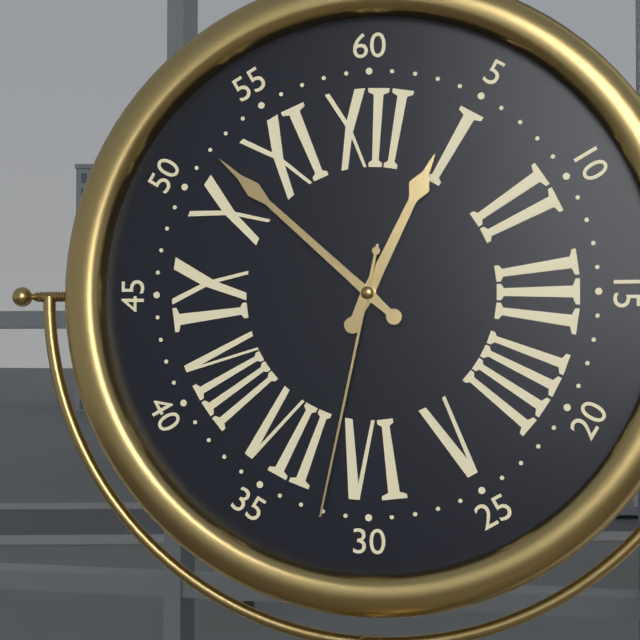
12:52:32
